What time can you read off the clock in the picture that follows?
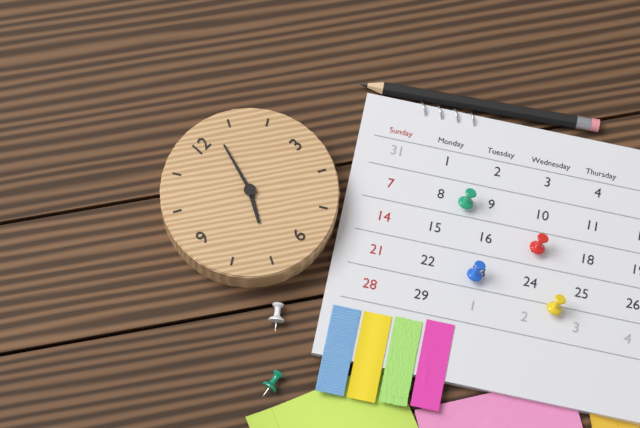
7:03
